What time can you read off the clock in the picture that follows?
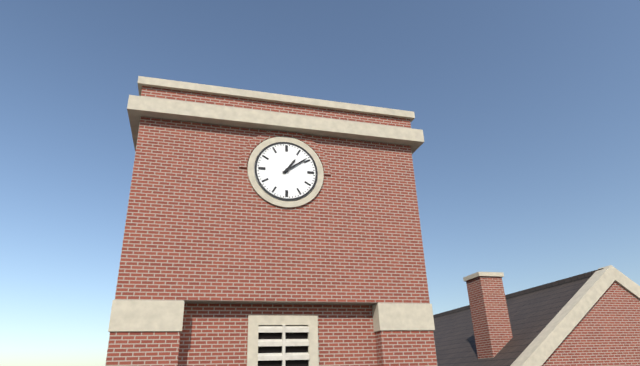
1:09
